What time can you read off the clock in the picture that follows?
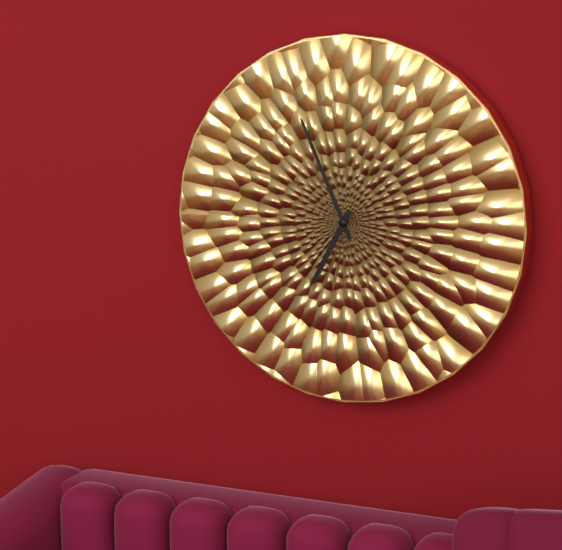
6:56
